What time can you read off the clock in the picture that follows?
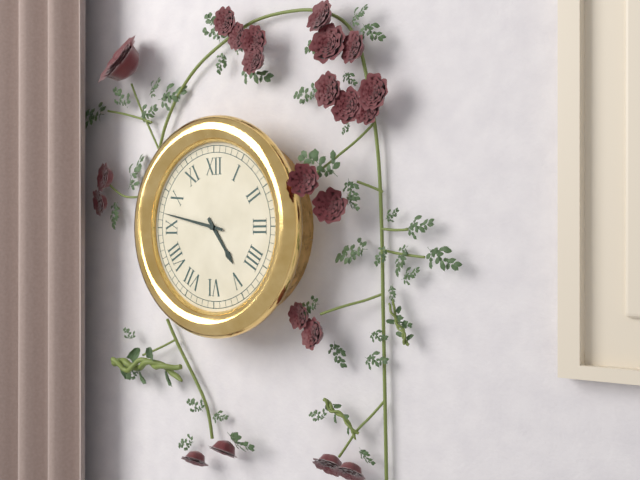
4:47
